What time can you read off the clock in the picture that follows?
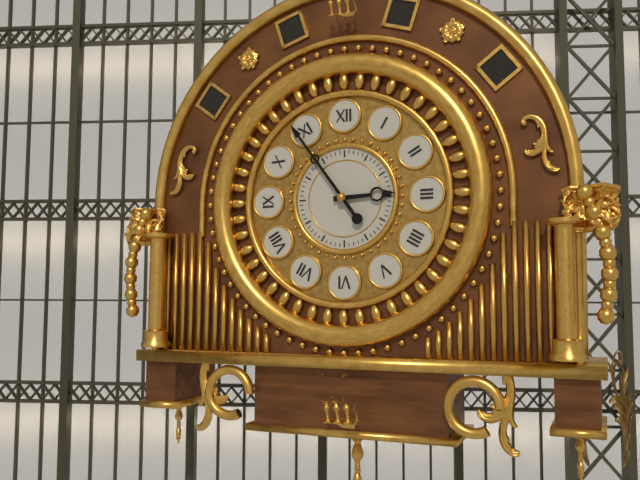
2:54
